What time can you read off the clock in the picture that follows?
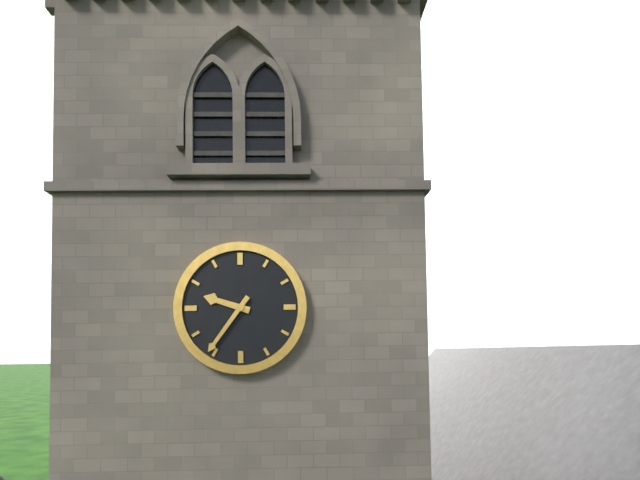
9:36
